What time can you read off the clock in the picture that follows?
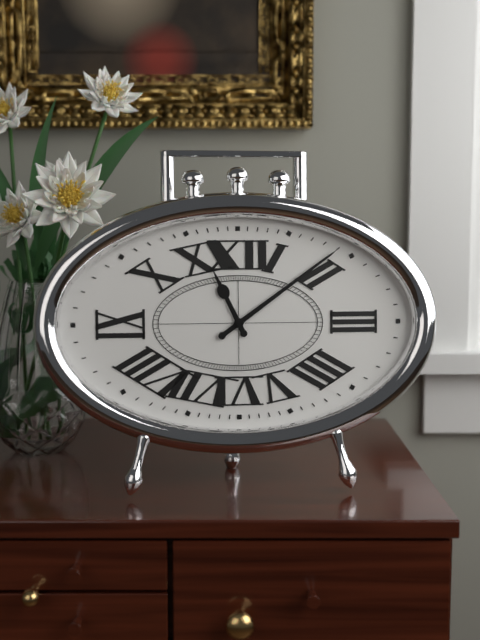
11:09
